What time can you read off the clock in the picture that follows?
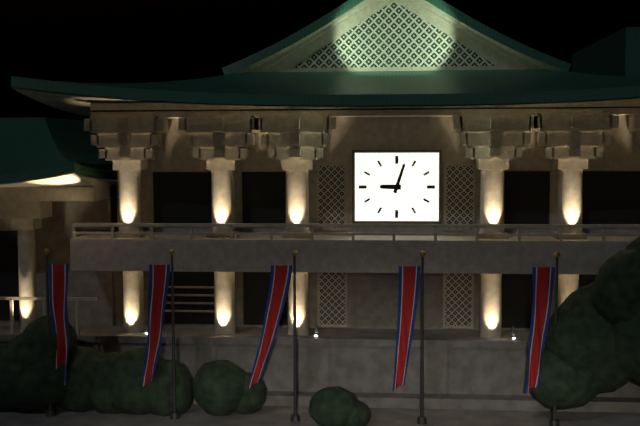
9:03
